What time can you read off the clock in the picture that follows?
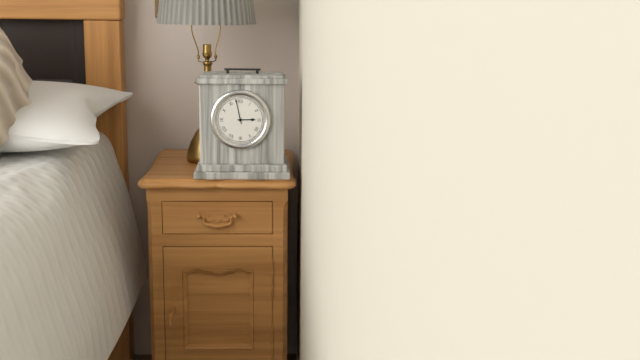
2:58
